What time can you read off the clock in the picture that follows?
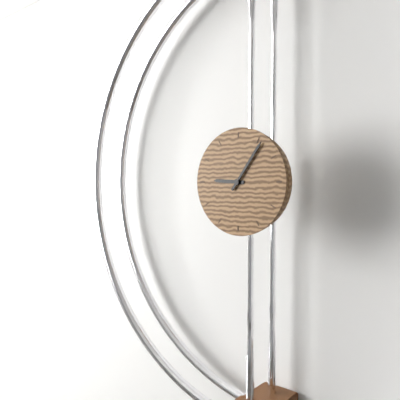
9:06
